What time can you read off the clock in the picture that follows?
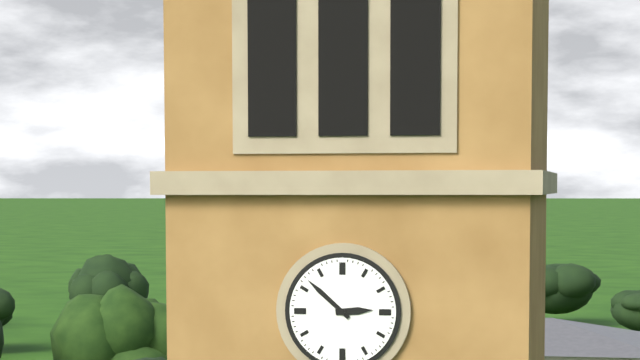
2:52
